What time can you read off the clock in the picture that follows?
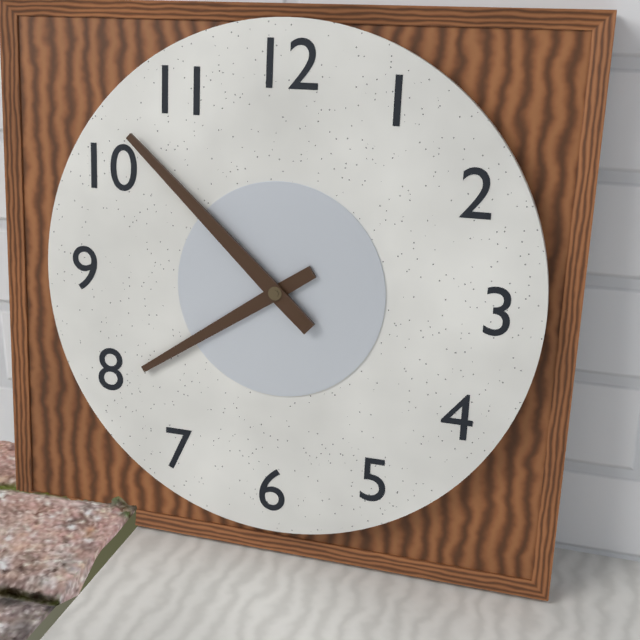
7:52
